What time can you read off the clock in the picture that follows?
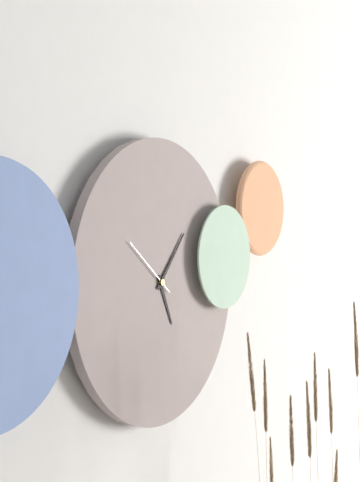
5:07:51
